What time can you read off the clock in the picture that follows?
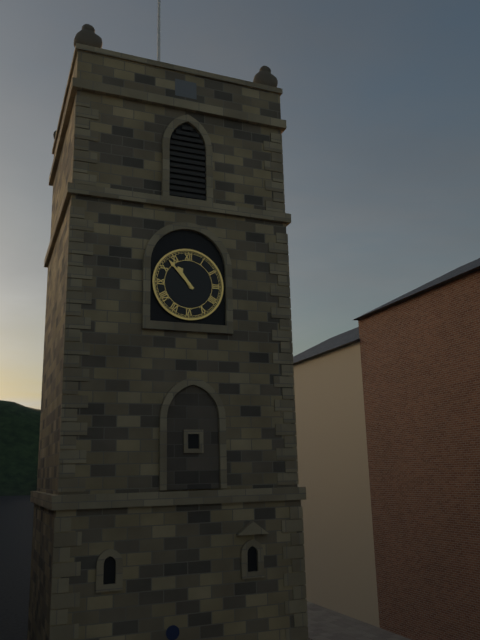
10:53
